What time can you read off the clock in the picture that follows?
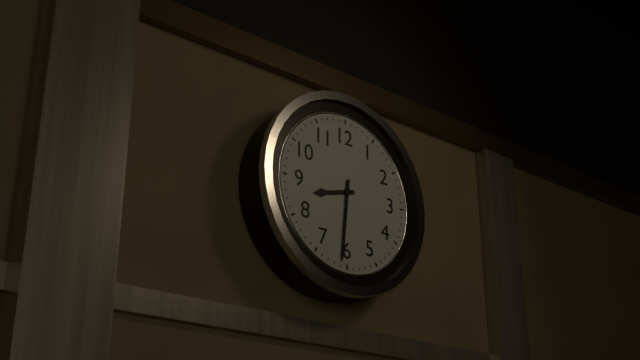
8:31
